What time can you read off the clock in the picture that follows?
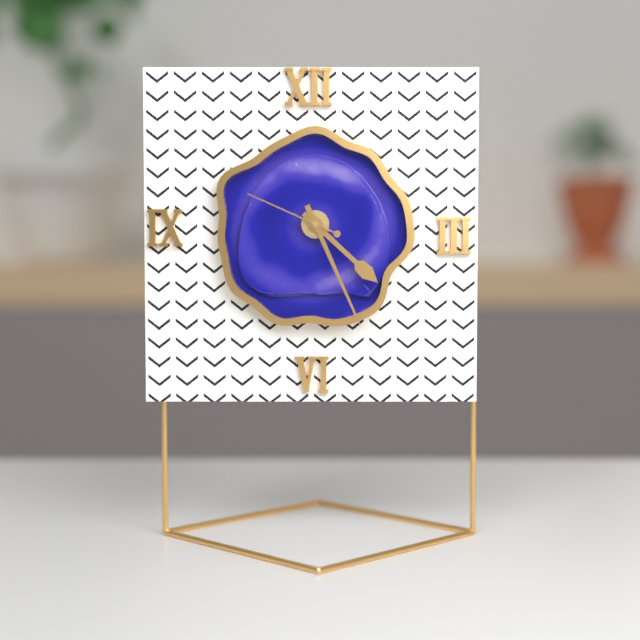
4:26:49
